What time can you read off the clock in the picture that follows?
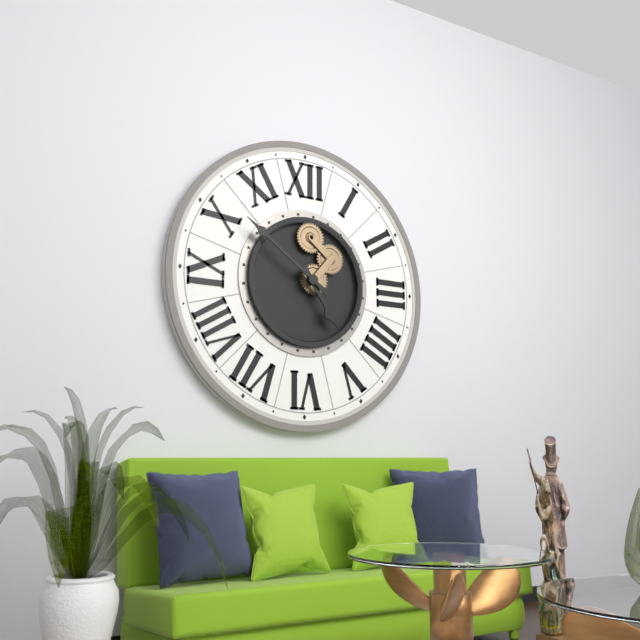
4:51
